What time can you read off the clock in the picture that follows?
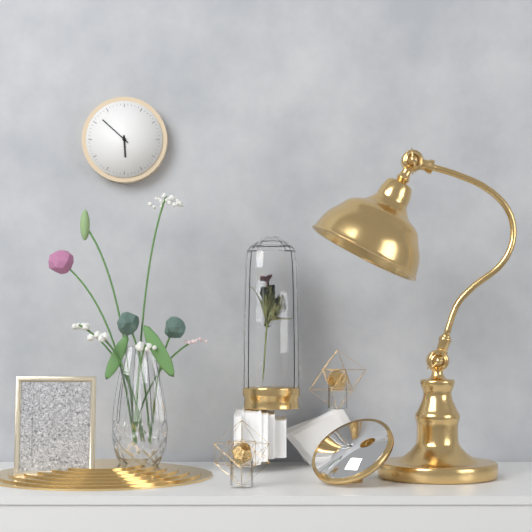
5:52
